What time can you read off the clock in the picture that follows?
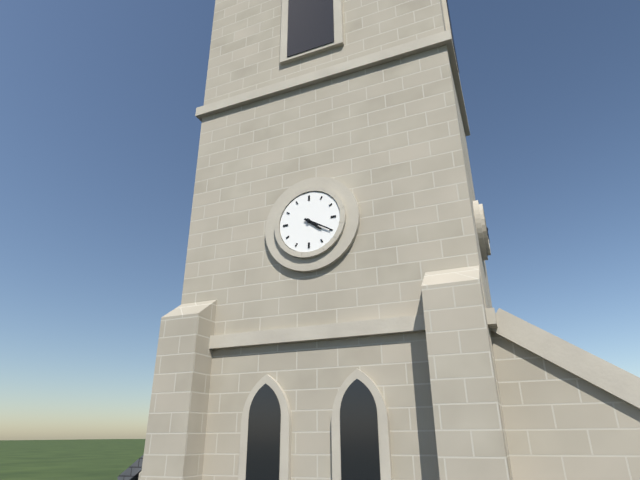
4:20
